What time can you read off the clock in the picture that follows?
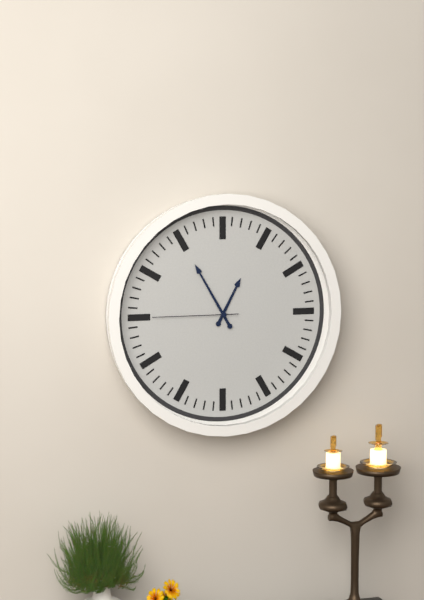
12:55:45
